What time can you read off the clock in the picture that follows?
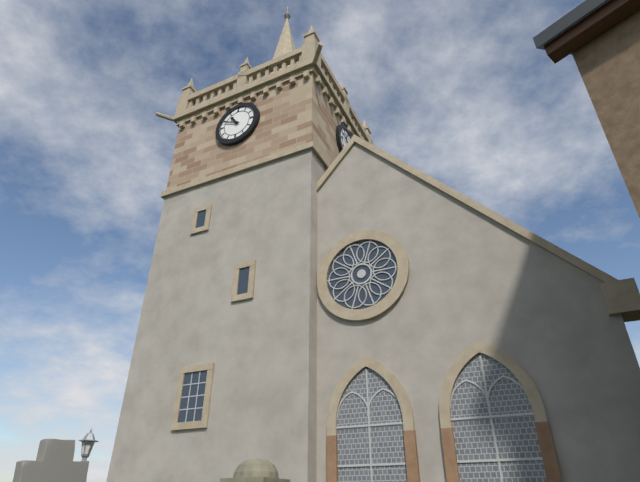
10:49
